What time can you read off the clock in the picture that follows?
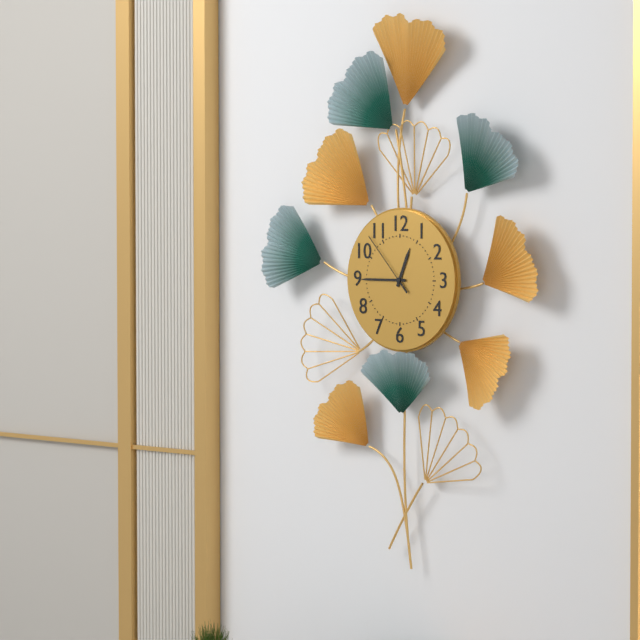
12:45:53
